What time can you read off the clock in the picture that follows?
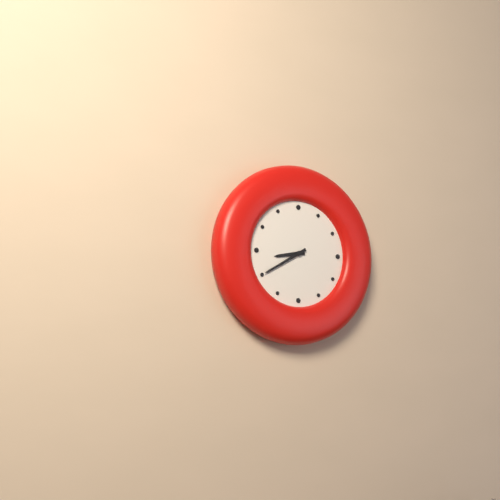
8:40
